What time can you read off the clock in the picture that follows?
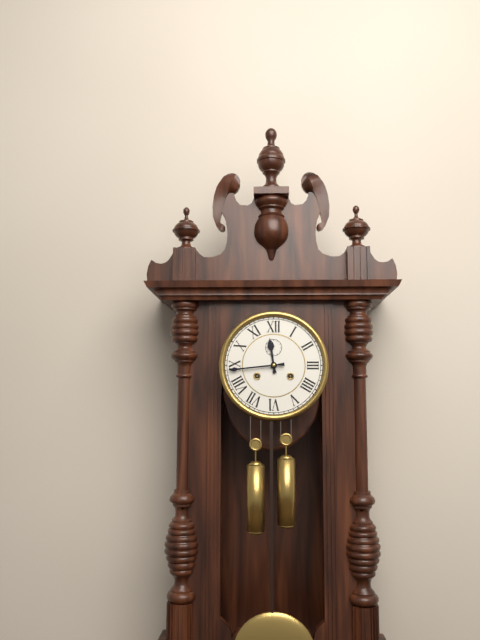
11:44
